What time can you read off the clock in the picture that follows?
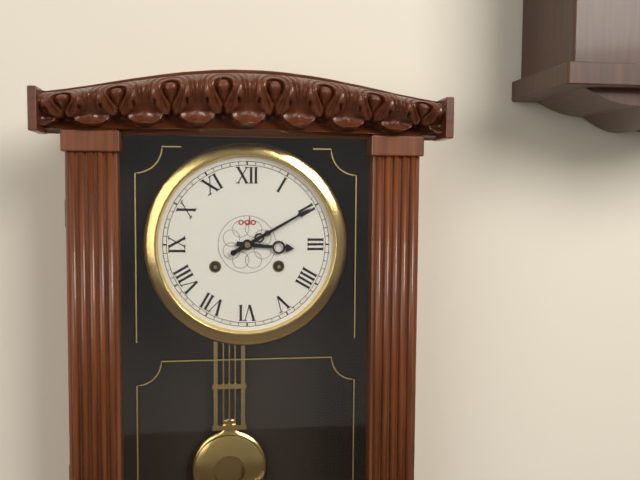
3:10
